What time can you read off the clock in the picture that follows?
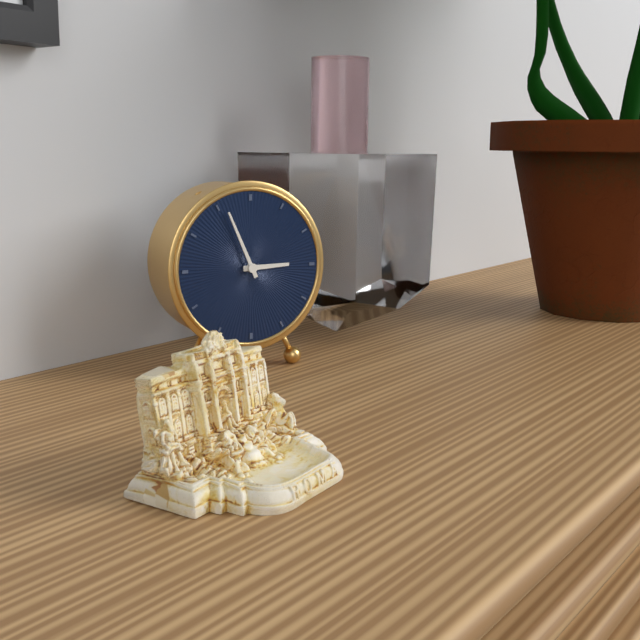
2:56
